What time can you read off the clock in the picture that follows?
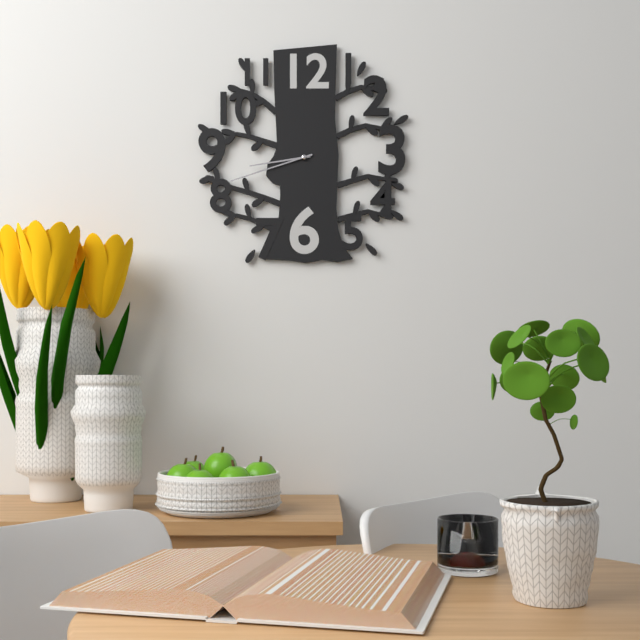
8:42
